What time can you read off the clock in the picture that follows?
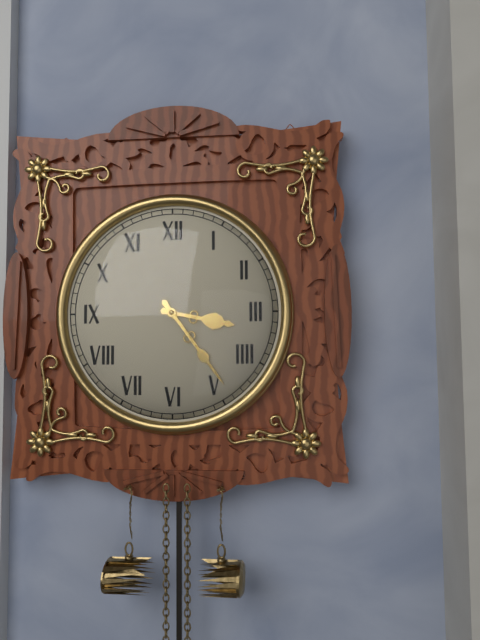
3:24
